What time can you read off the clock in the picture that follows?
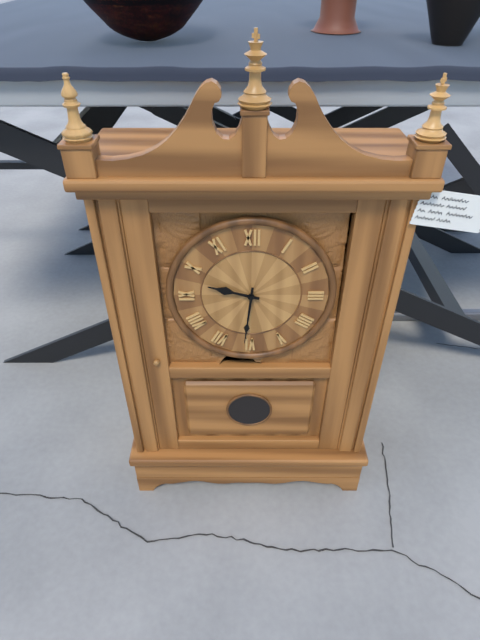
9:31
